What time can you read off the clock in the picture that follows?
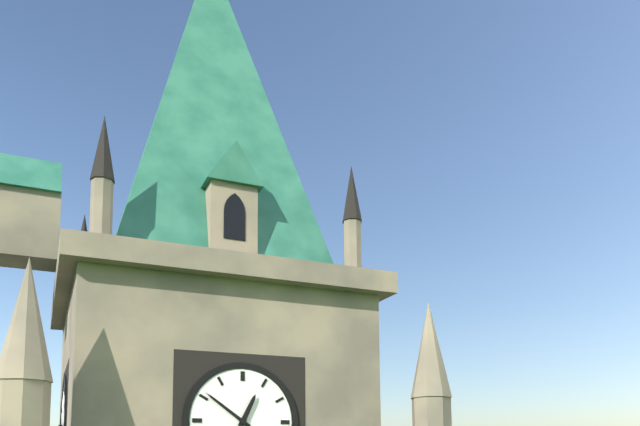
12:51
